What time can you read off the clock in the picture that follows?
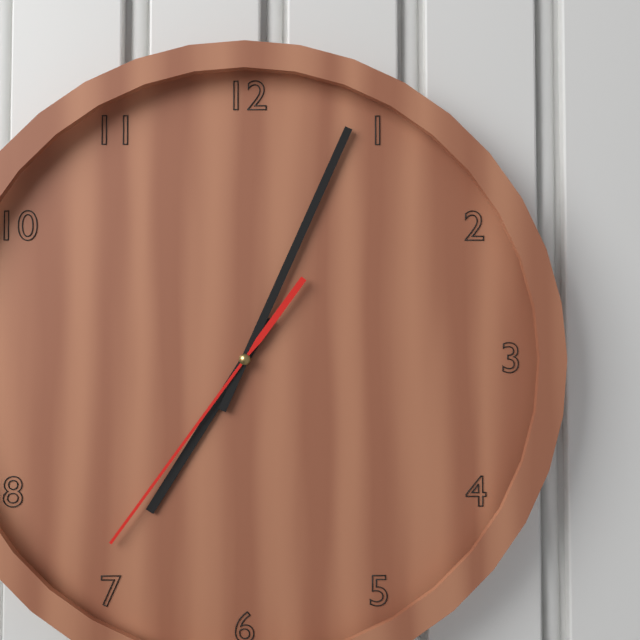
7:04:36
